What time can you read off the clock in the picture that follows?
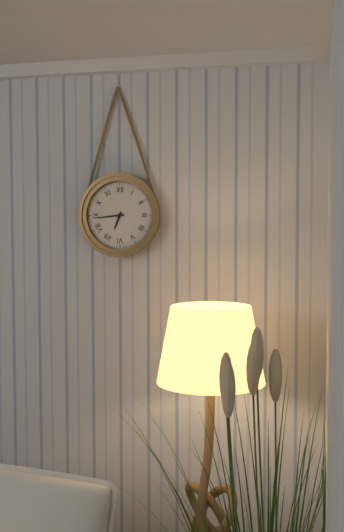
6:44
